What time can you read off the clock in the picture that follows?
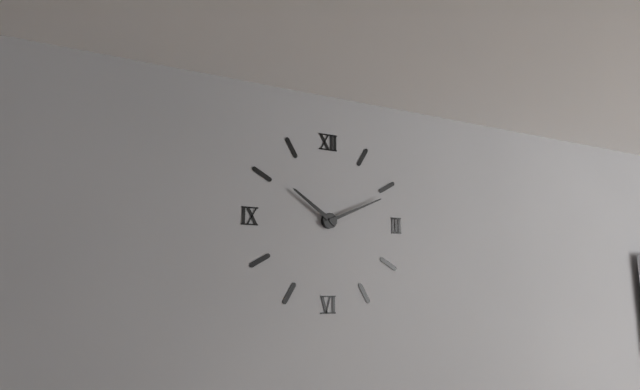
10:11
